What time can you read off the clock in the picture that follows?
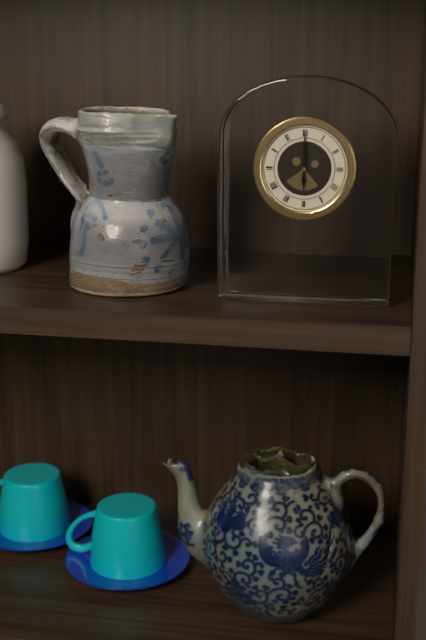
6:00
